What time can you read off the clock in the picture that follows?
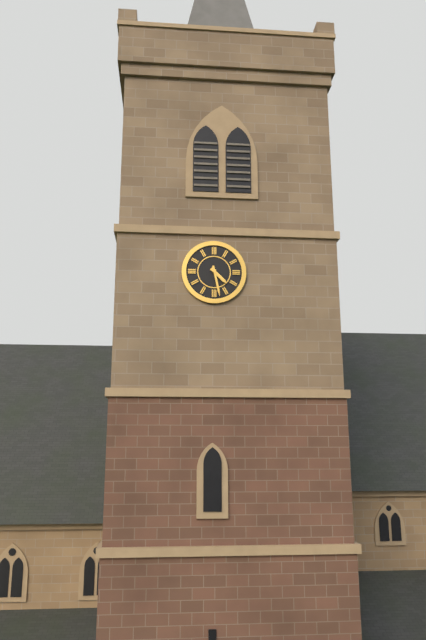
4:28
